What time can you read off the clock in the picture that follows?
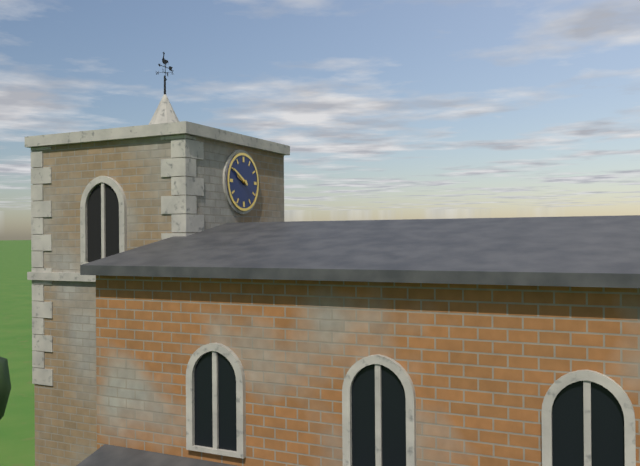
9:50
